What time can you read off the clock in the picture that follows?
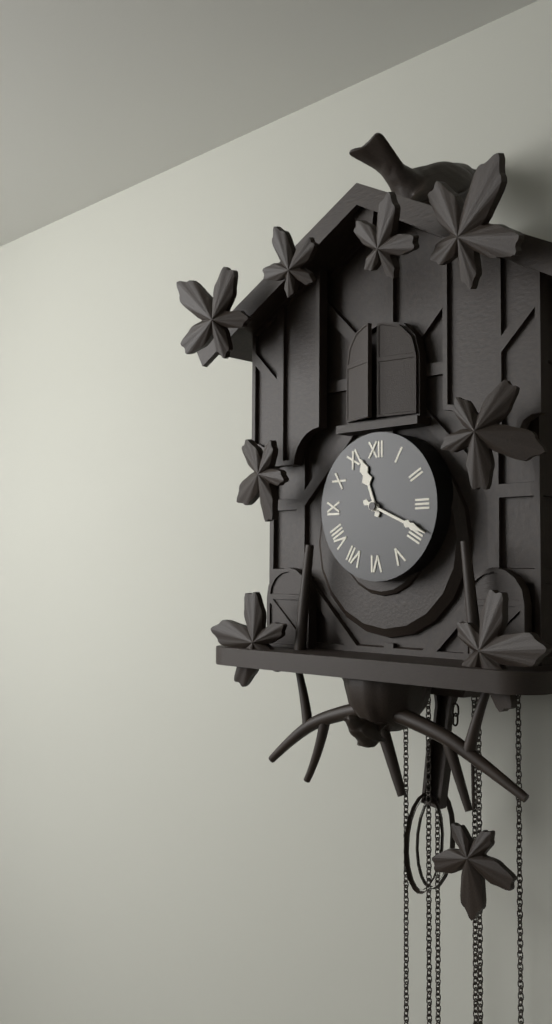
11:19
